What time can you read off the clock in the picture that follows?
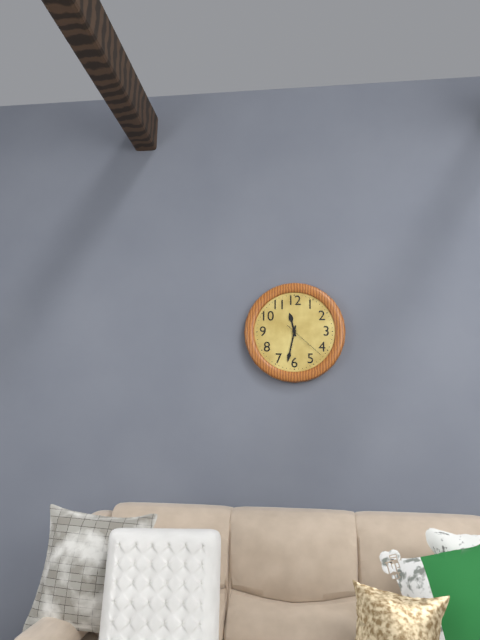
11:32
